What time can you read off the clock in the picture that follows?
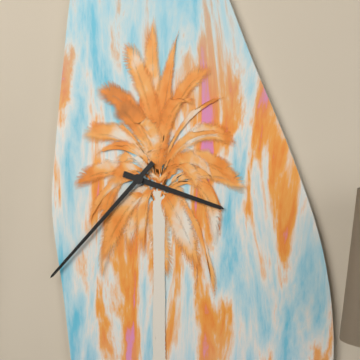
3:37
